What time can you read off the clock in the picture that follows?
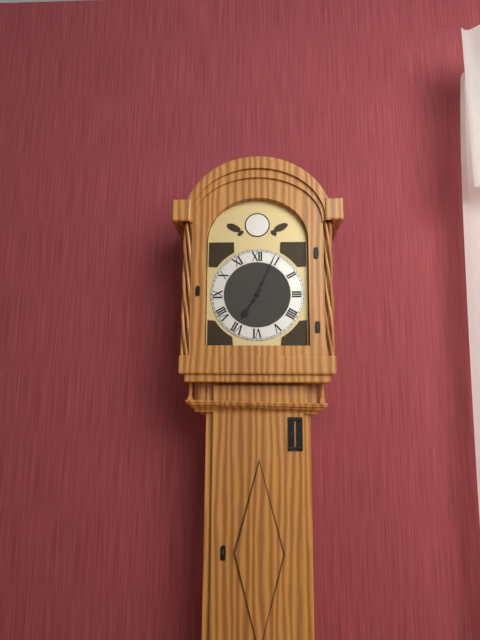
7:04
